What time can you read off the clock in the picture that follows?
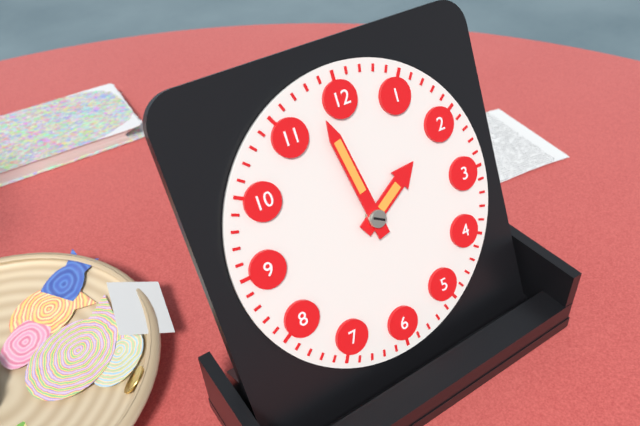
1:58
